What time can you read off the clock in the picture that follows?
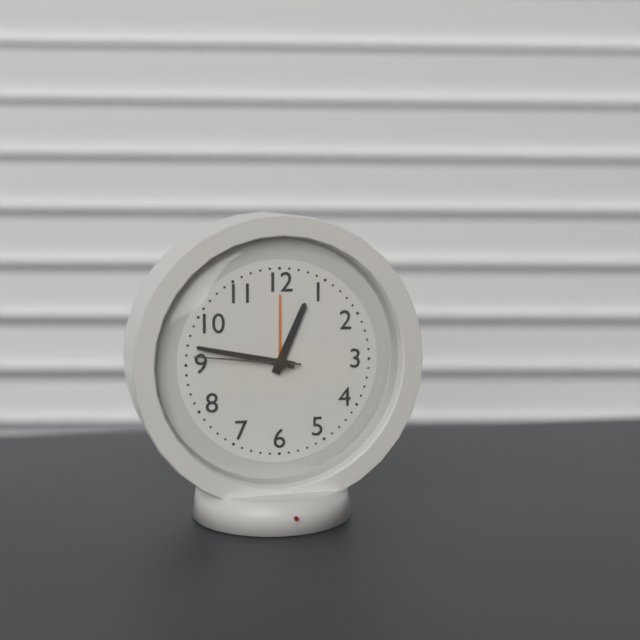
12:47:46
